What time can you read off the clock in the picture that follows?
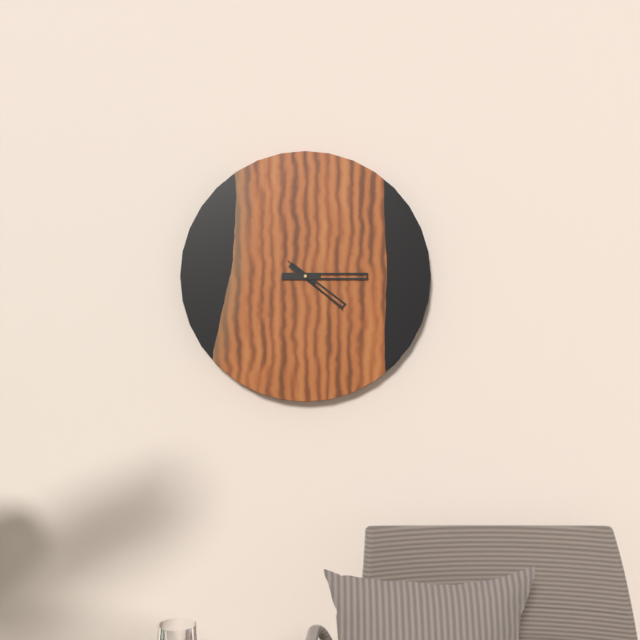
4:15:22
